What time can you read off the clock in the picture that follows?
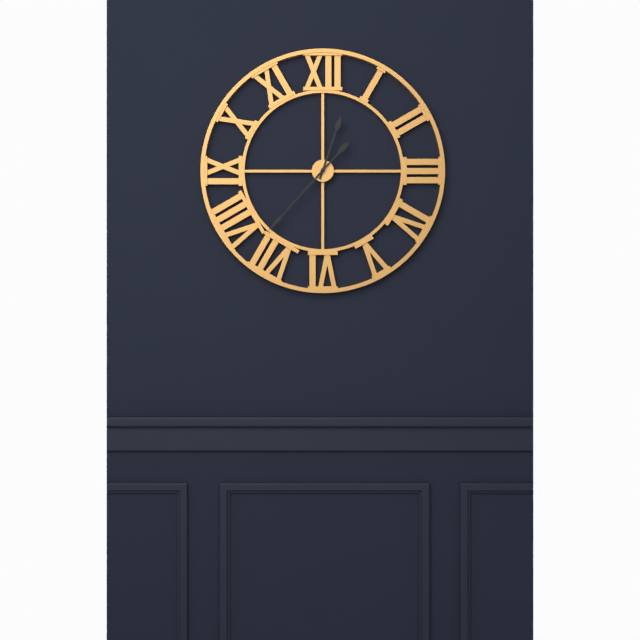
12:37
